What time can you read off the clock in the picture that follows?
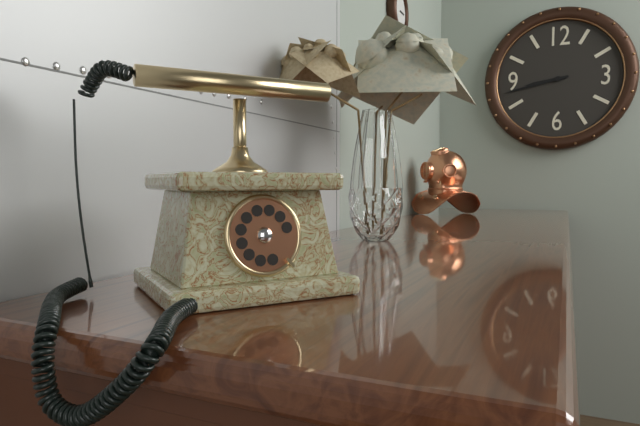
8:43
